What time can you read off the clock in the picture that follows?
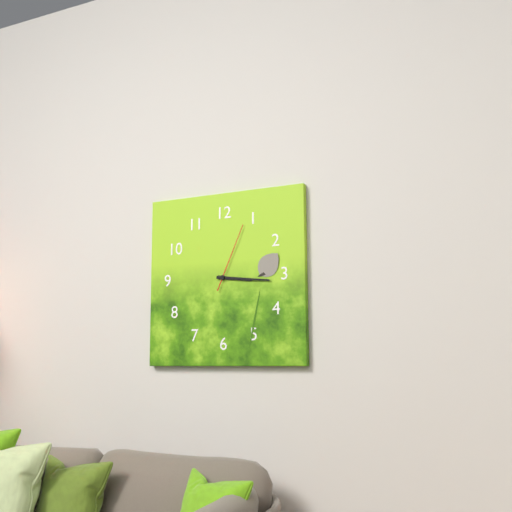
3:16:04
